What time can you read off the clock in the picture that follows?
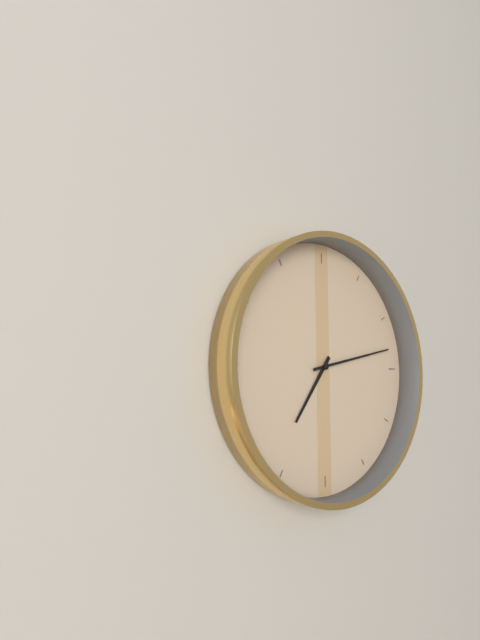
7:13
